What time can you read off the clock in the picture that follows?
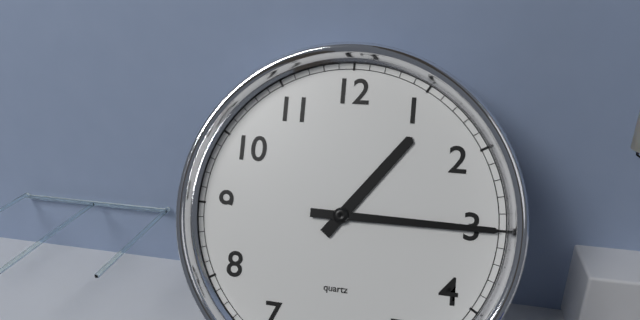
1:15
